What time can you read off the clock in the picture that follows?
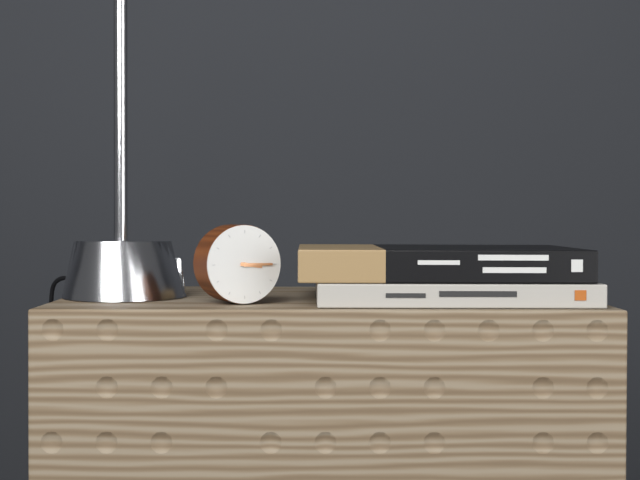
3:15
